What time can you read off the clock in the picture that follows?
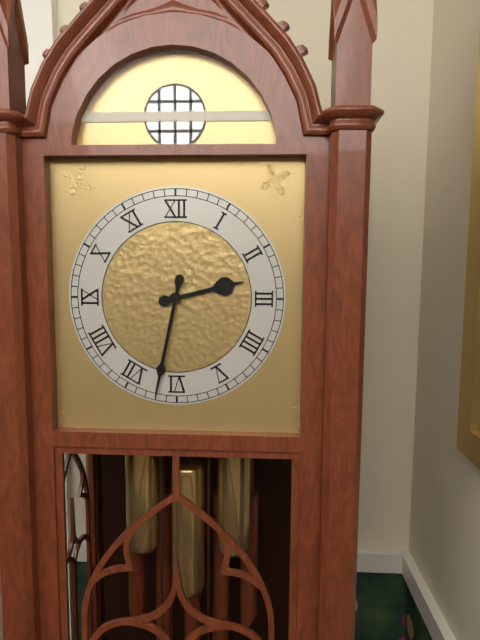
2:32
